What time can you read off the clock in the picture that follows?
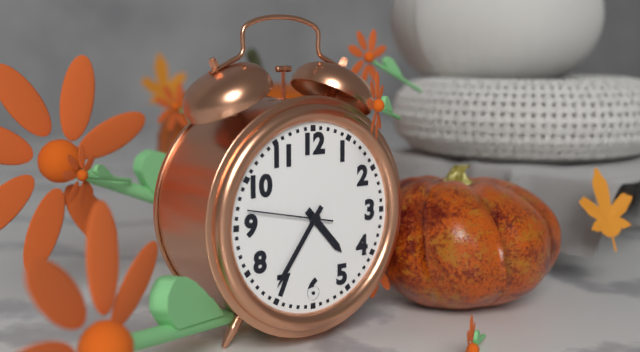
4:36:47
